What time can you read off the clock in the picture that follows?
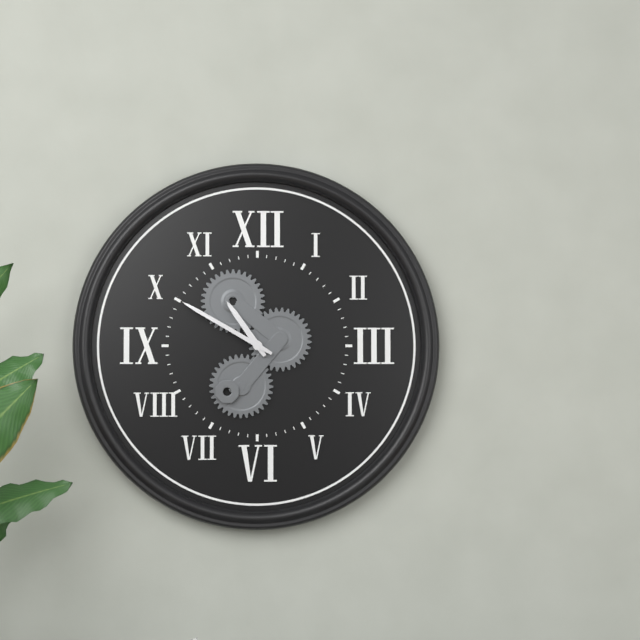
10:50
